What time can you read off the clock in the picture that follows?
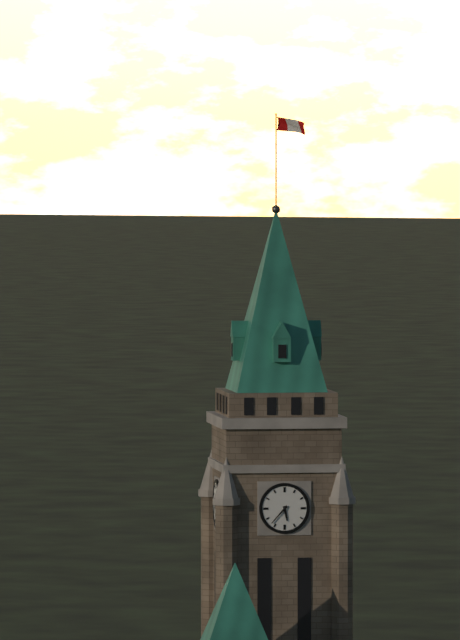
5:37
